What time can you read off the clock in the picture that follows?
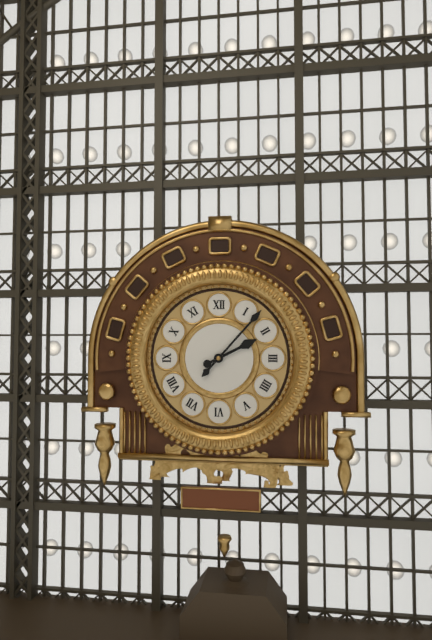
2:07
